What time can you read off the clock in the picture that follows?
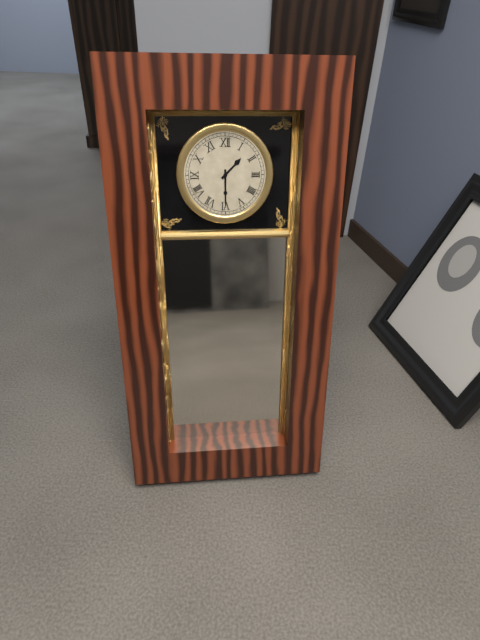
1:30
